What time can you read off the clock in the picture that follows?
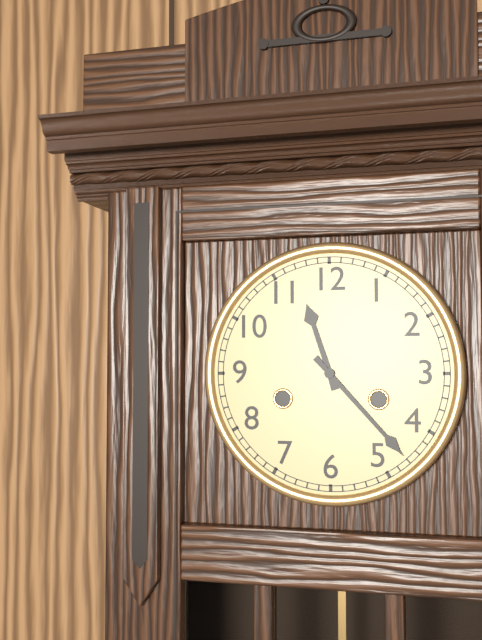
11:23
